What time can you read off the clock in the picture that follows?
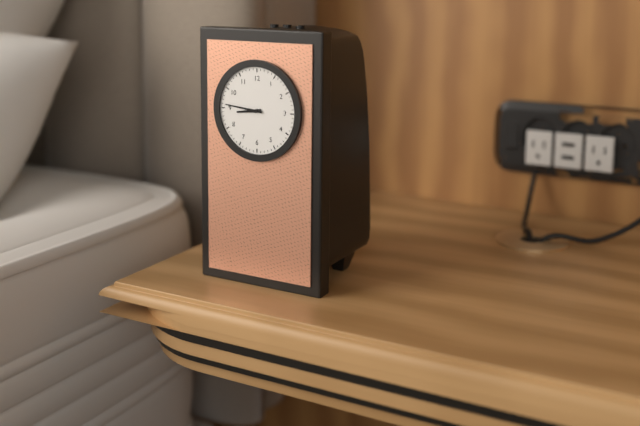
8:46
